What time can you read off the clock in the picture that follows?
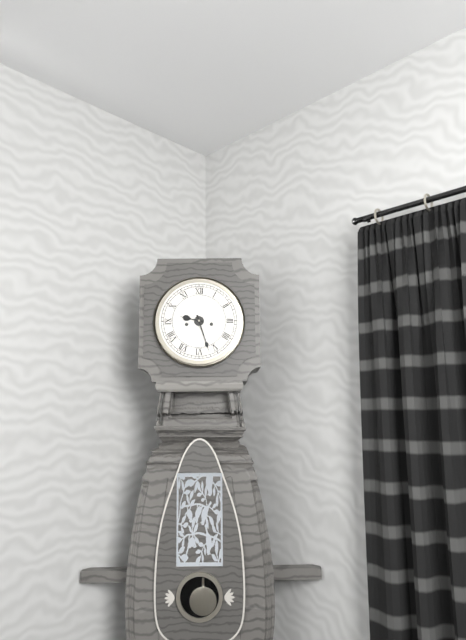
9:27
